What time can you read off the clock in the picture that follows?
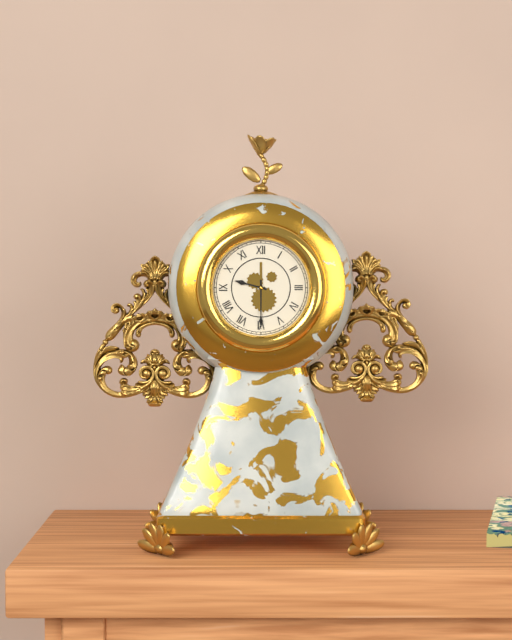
9:30
